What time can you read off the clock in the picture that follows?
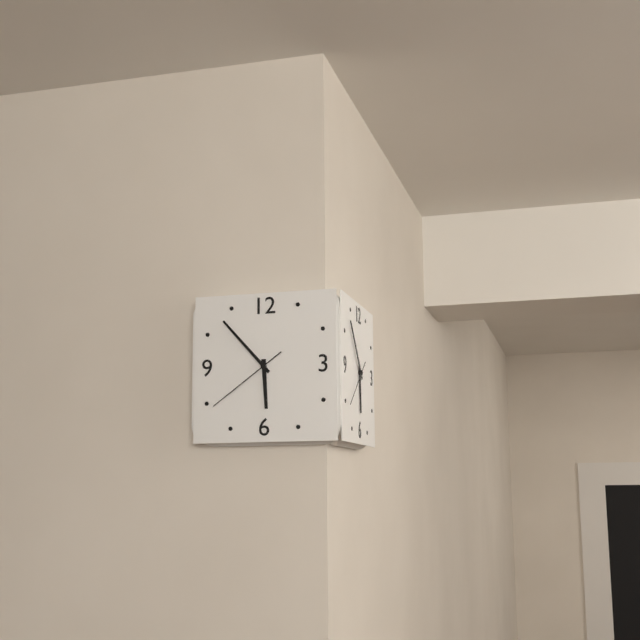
5:53:39
